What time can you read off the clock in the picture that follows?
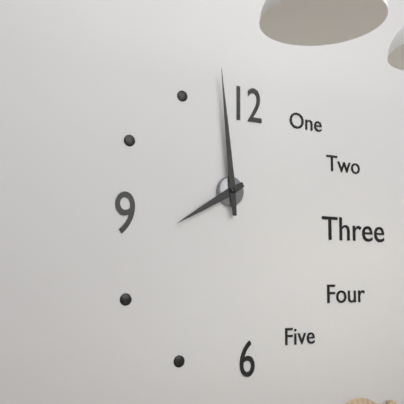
7:59
